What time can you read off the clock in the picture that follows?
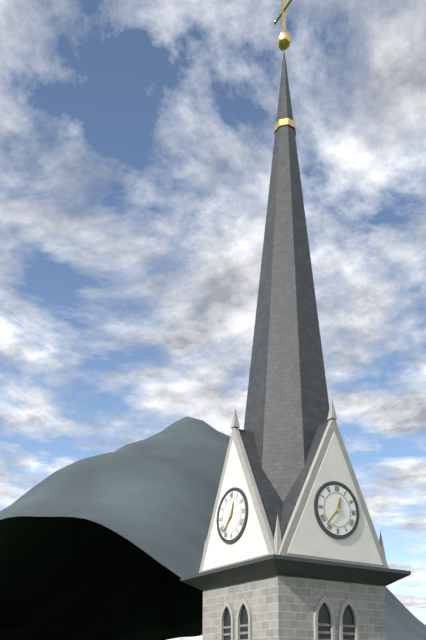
12:37
